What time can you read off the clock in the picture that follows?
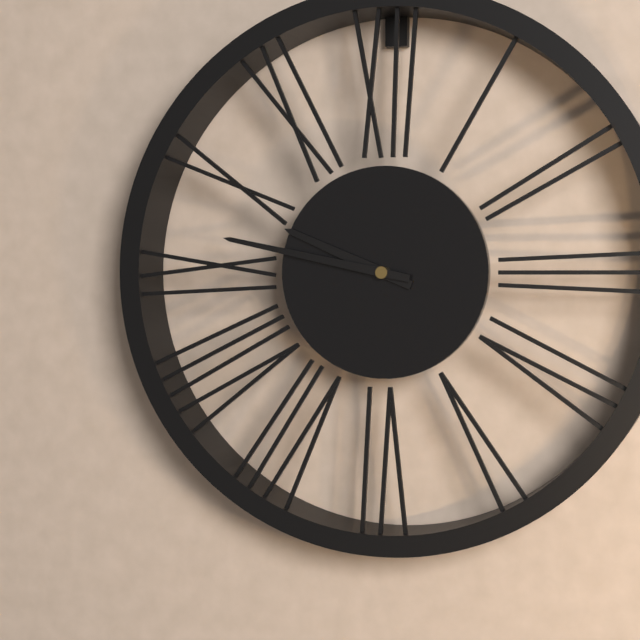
9:47
